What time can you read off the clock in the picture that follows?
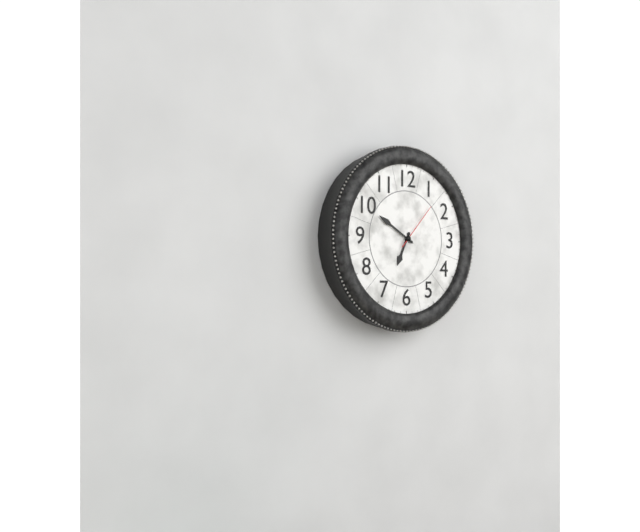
6:50
